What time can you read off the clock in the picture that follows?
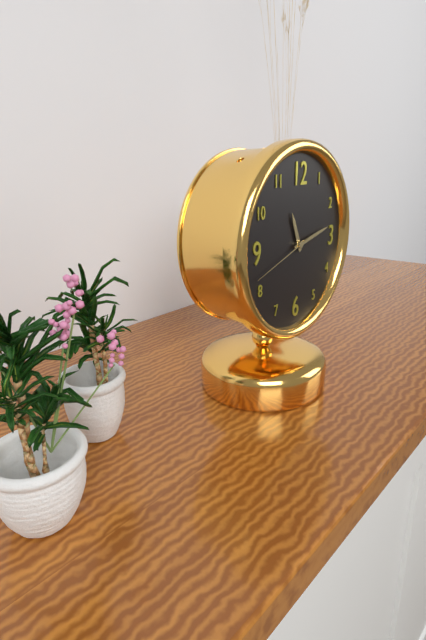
11:13:42
